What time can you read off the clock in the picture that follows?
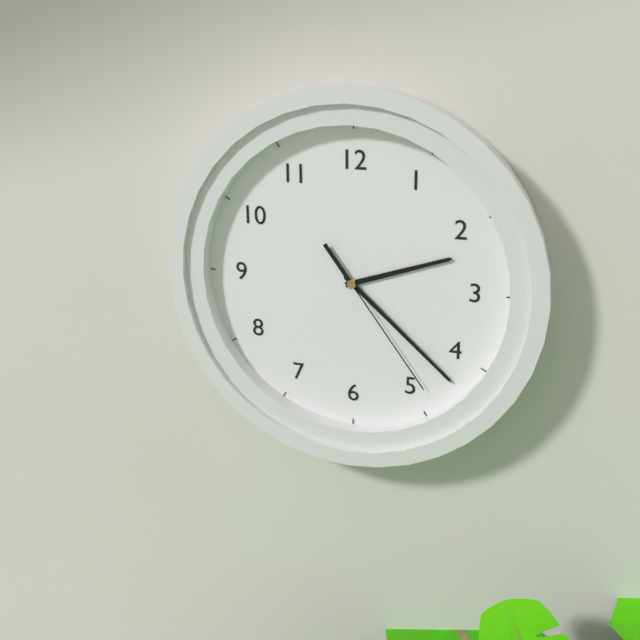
2:22:24
